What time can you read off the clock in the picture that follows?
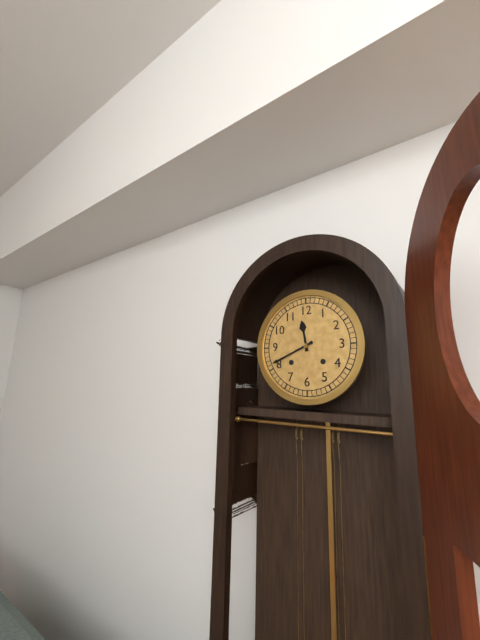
11:41
